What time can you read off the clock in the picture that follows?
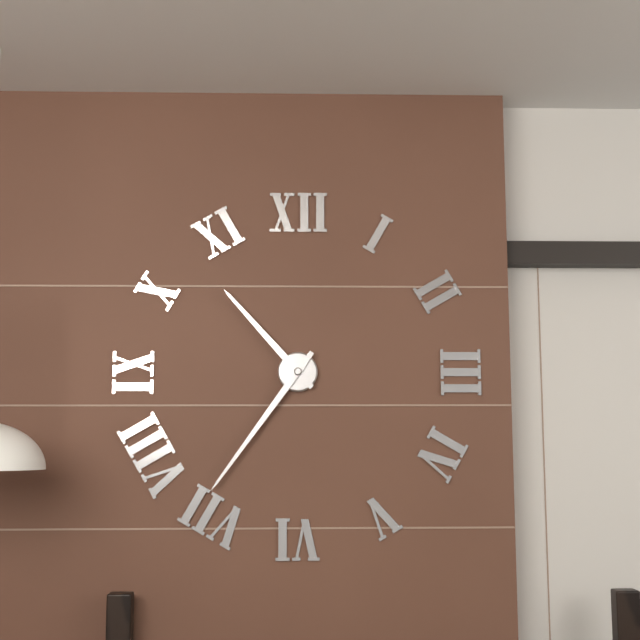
10:36
